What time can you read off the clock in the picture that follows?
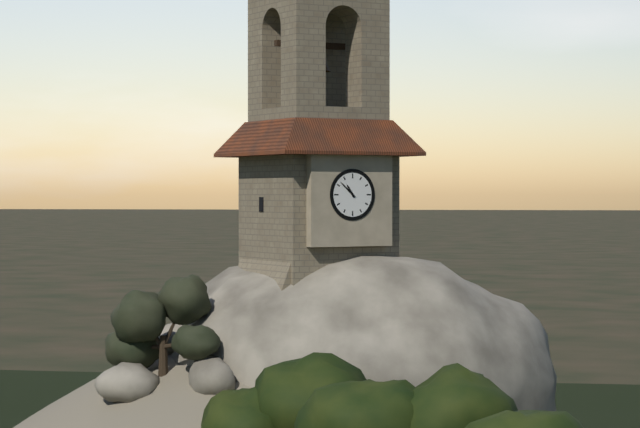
10:52
